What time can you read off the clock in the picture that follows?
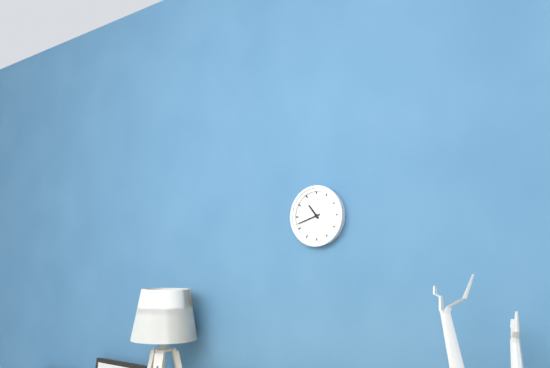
10:42
